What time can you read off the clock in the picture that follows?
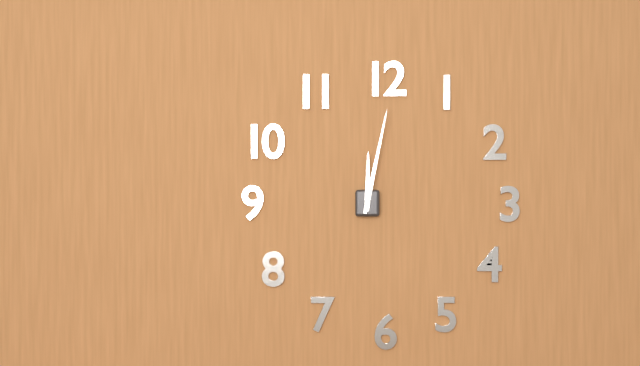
12:02
